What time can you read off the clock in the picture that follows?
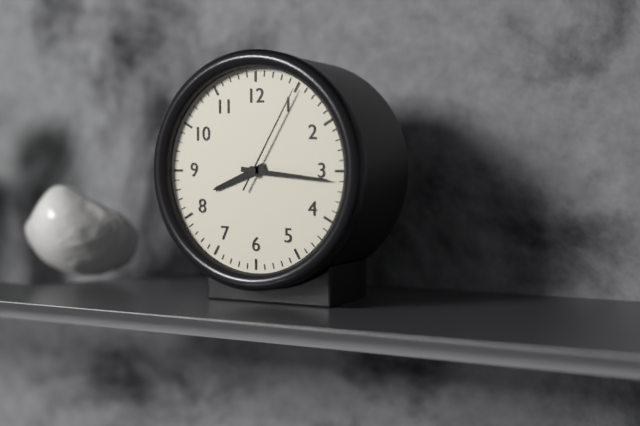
8:16:05
